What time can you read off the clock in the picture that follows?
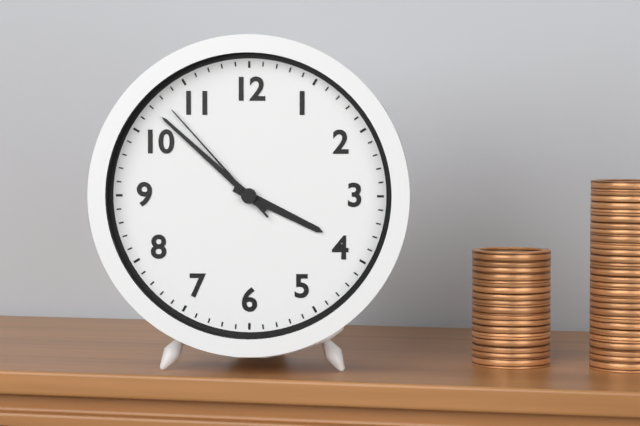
3:52:53
